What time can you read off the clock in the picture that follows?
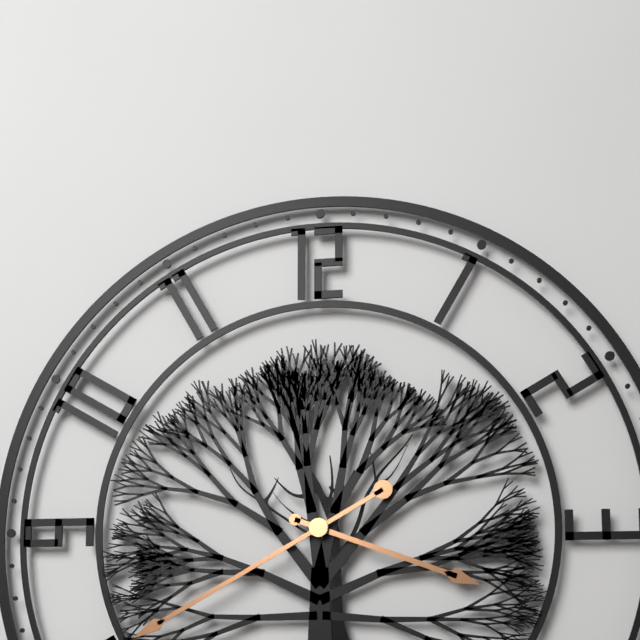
3:40
